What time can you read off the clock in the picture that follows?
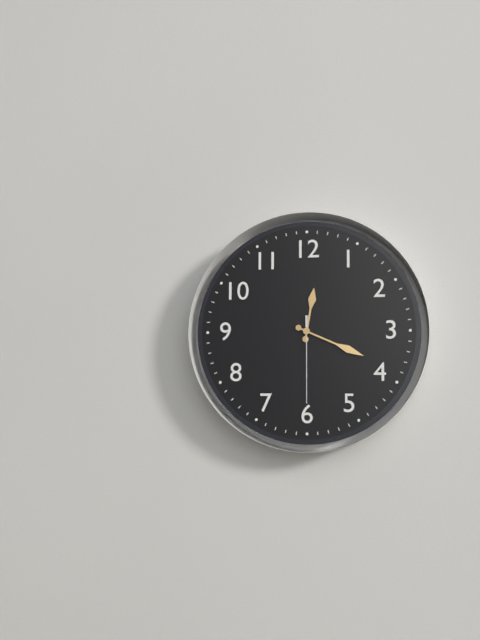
12:19:30
